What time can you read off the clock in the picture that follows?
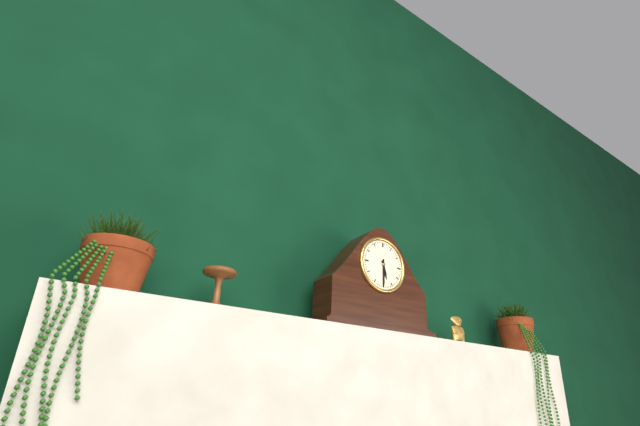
5:30
